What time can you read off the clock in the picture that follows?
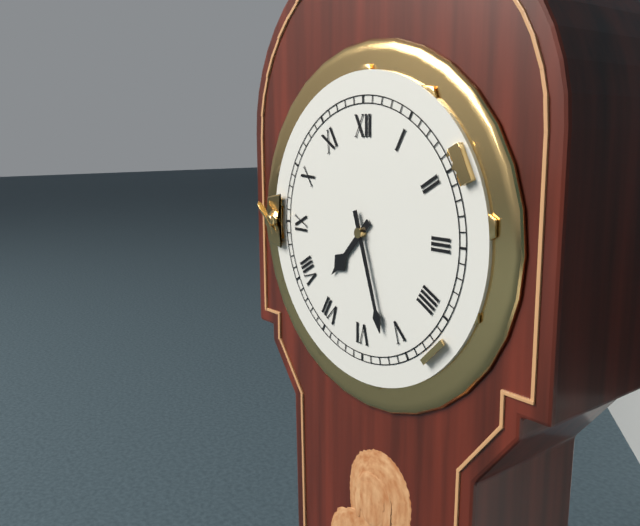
7:27
